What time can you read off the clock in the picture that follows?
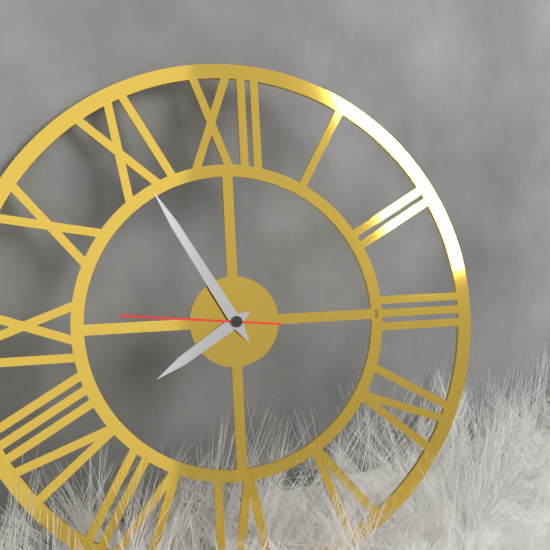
7:55:46
